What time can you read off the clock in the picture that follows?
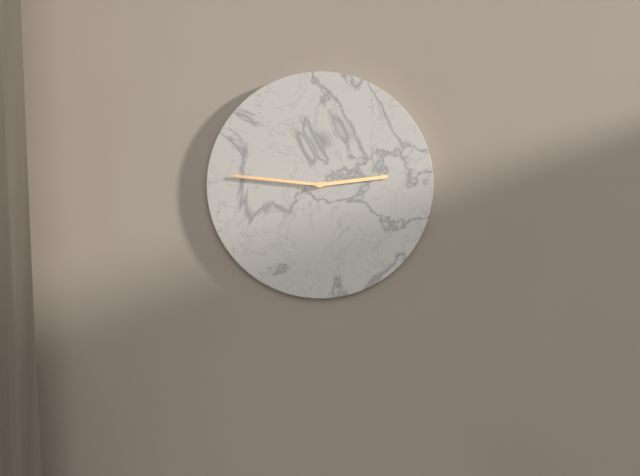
2:46
